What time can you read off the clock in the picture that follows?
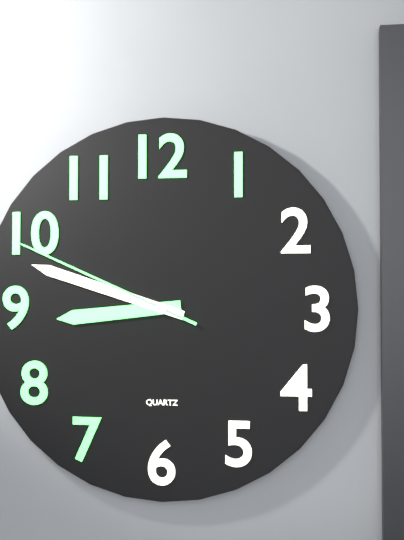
8:48:49
